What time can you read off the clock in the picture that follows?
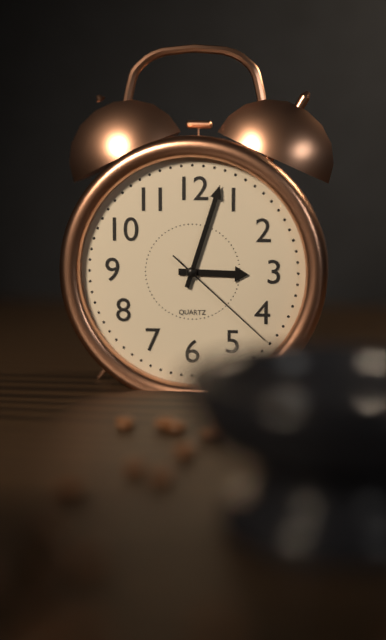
3:03:22
